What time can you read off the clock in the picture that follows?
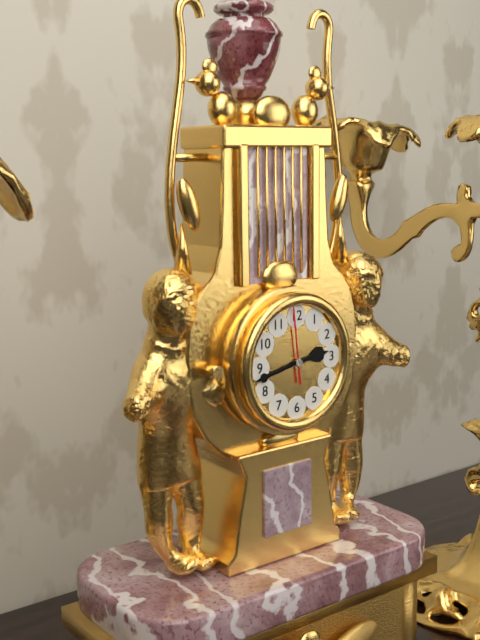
2:43:59
